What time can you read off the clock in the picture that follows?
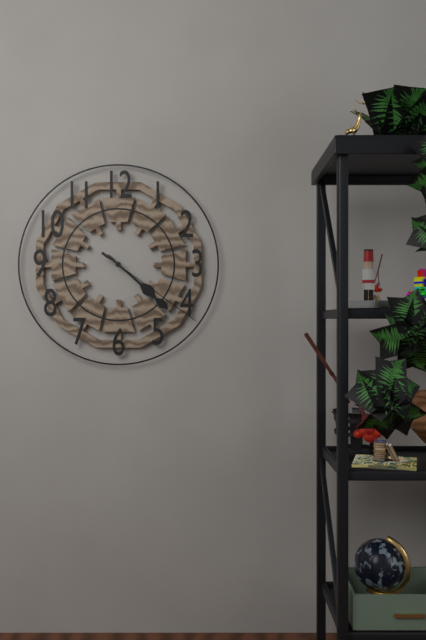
4:22:21
